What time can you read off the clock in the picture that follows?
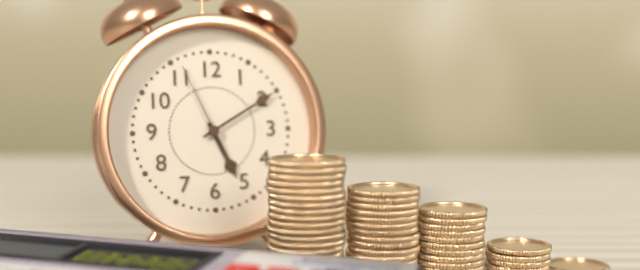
5:10:56
